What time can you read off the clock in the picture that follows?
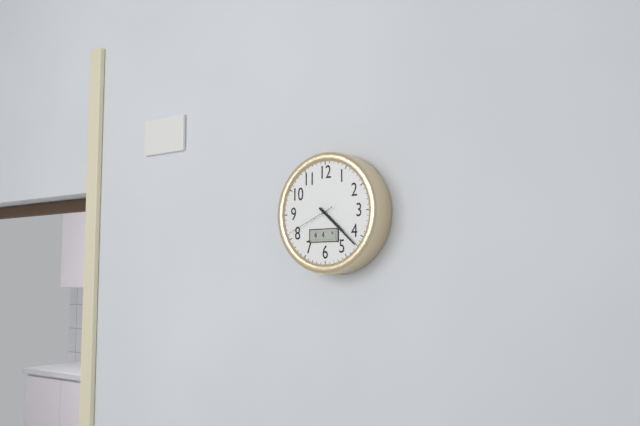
4:22
